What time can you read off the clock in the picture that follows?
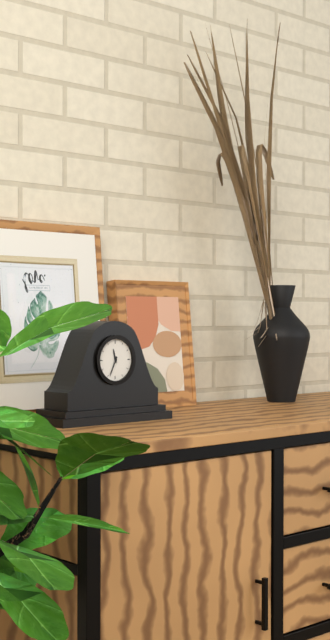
11:34
